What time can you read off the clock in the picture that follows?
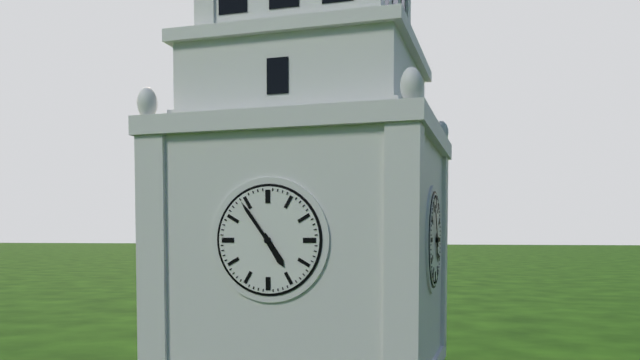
4:54
